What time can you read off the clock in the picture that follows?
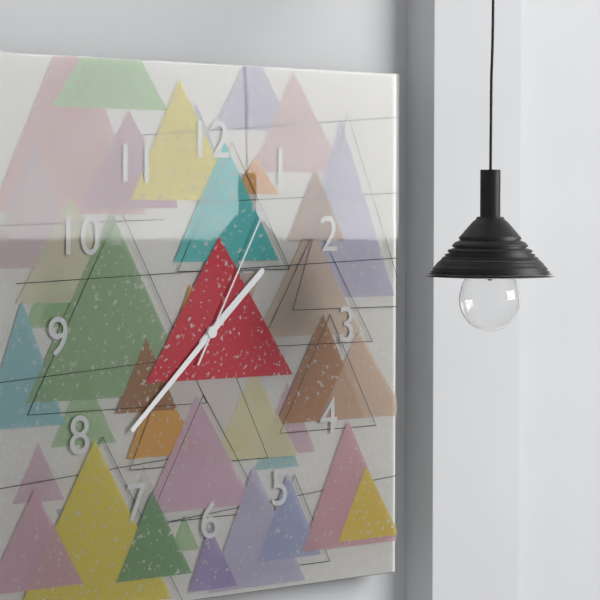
1:38:05
